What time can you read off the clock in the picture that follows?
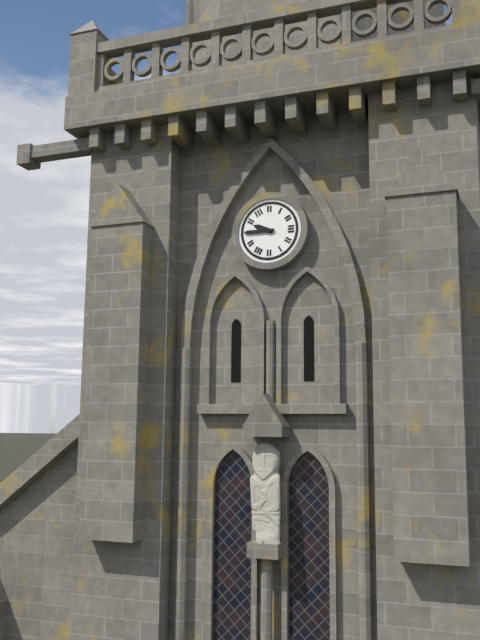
9:45
